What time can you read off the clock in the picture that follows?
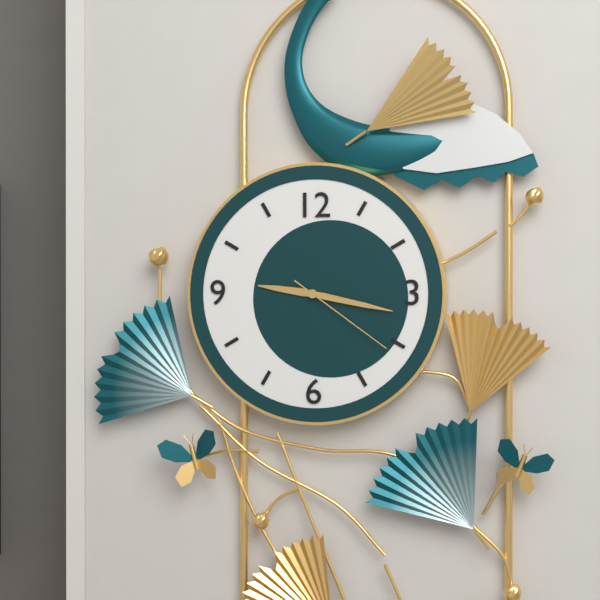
9:17:21
